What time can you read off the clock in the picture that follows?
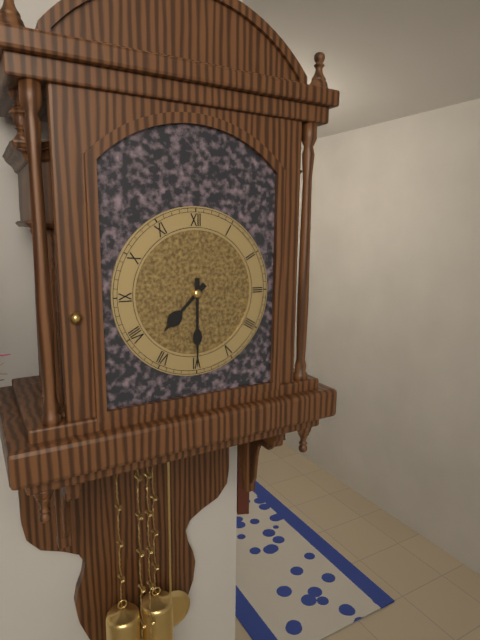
7:30
